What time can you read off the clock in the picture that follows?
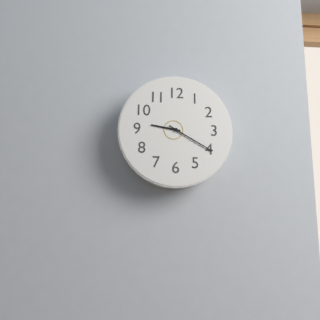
9:20
